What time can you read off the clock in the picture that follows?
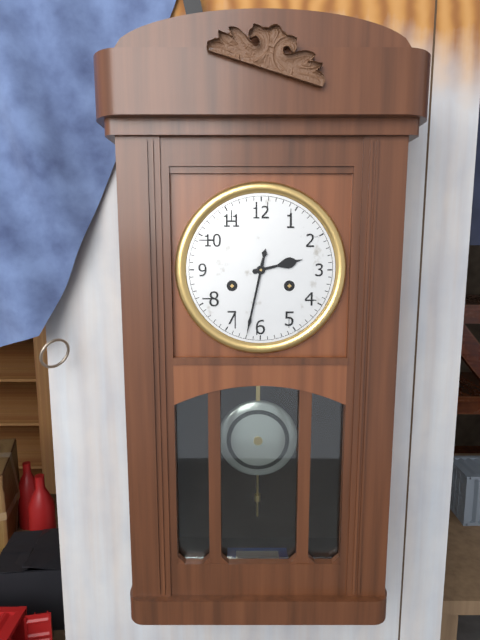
2:32
